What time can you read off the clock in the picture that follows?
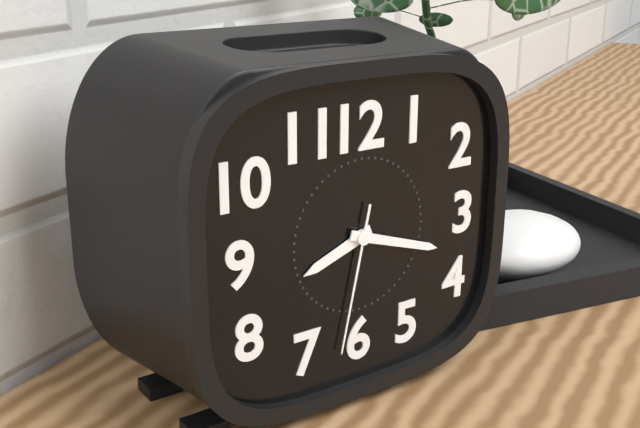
8:18:32
